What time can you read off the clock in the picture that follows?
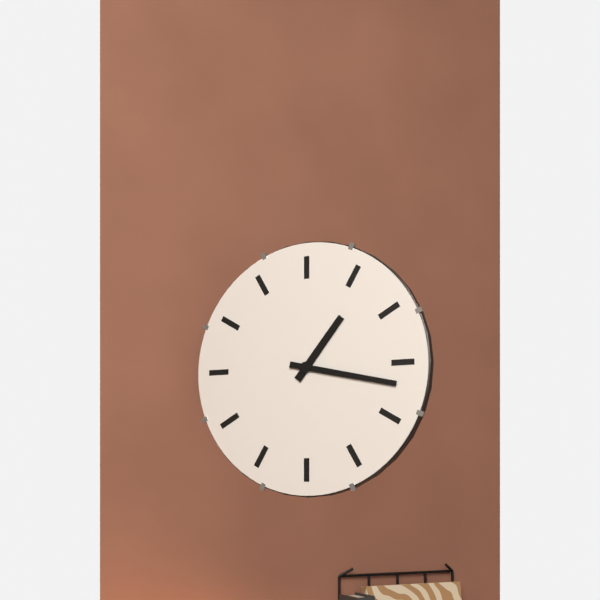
1:17
